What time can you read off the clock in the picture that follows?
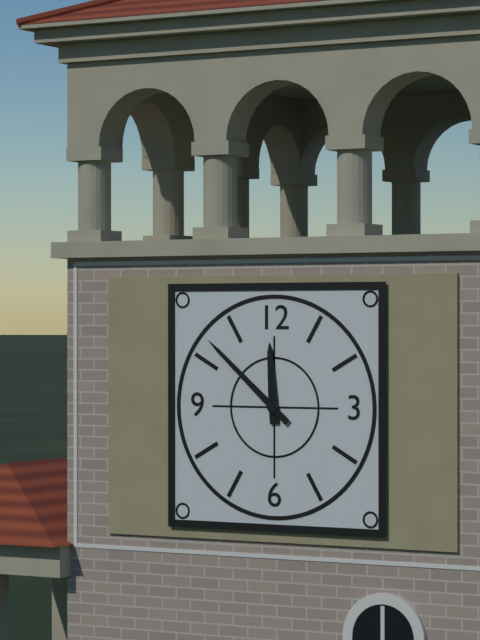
11:52
